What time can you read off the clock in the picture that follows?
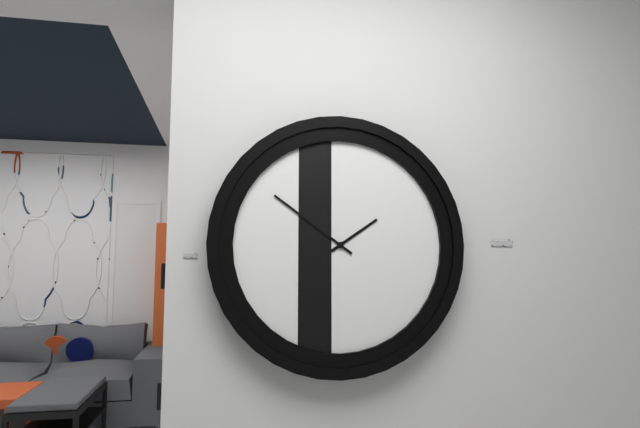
1:51
